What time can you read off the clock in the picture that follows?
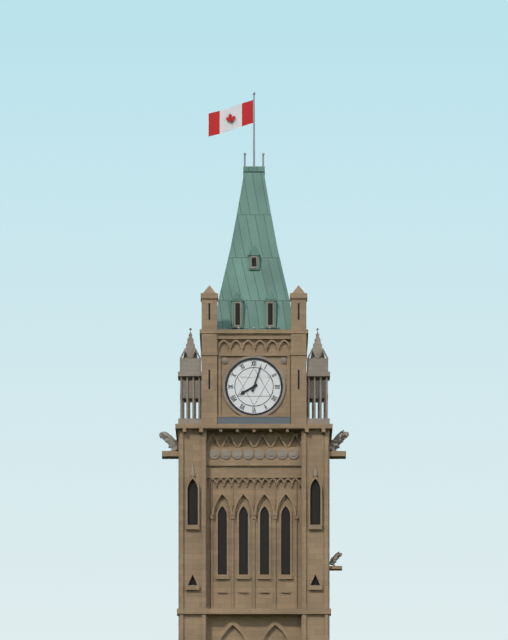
8:03
